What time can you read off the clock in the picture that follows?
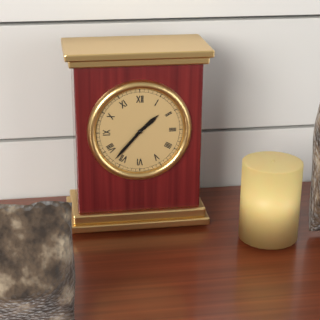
1:37
